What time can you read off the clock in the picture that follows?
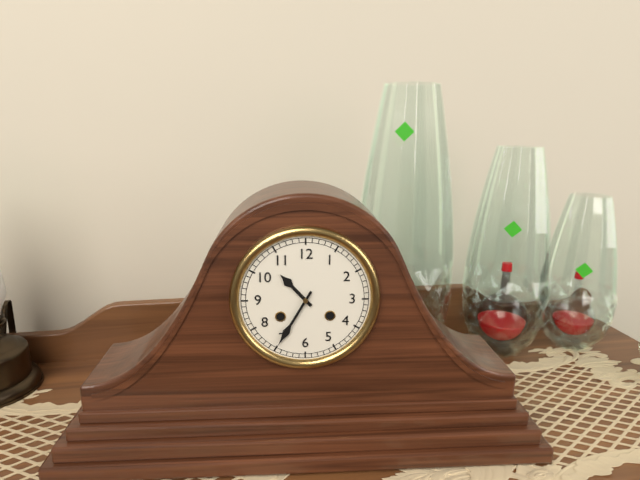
10:35
